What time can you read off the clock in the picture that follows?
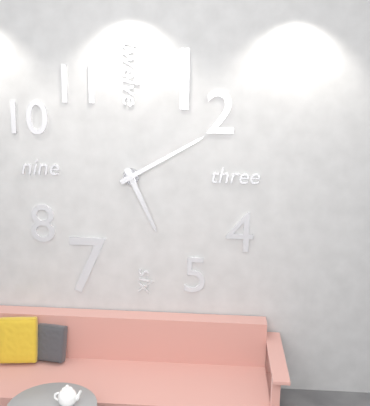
5:10
